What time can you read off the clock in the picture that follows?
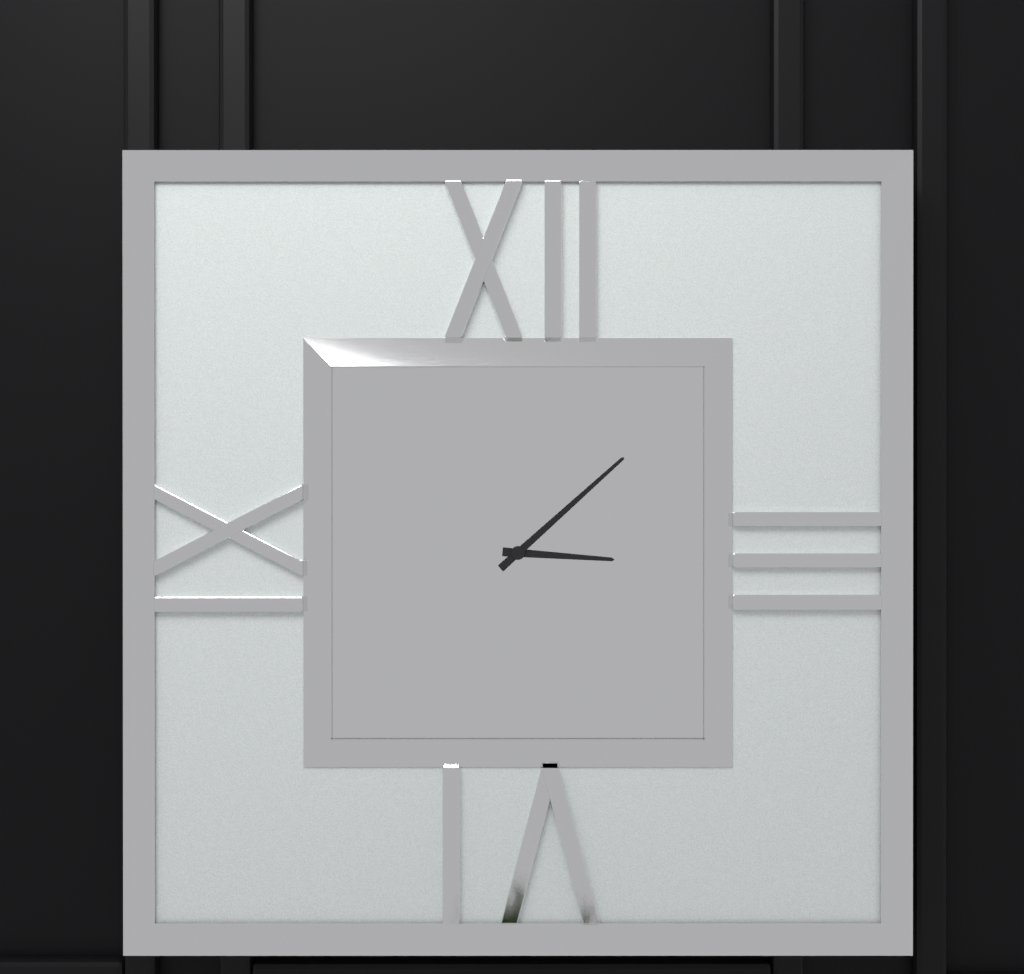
3:08
